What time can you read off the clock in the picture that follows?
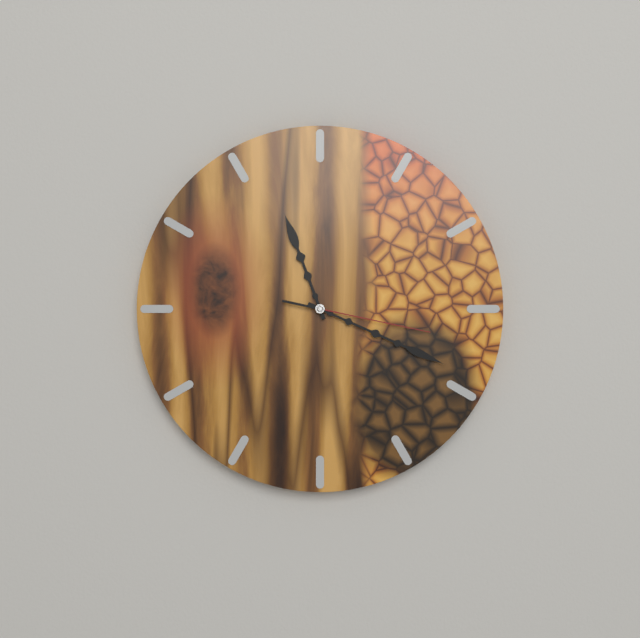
11:19:17
